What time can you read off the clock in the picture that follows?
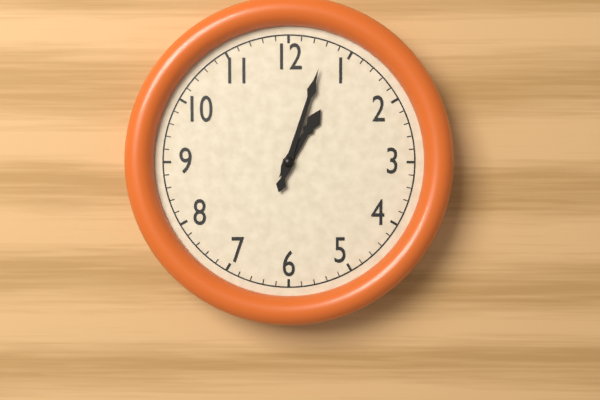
1:03
